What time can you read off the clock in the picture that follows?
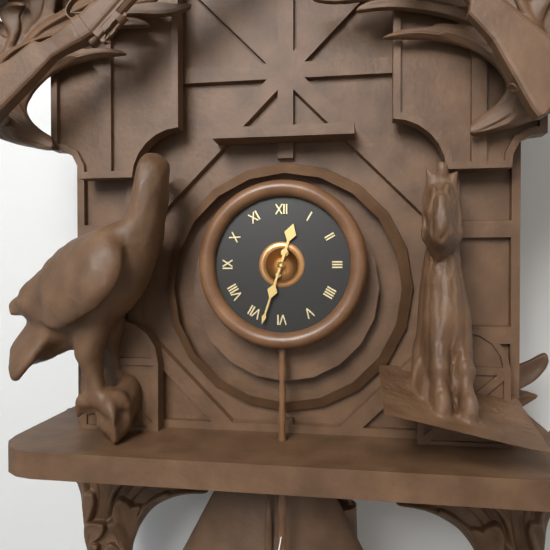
12:33
